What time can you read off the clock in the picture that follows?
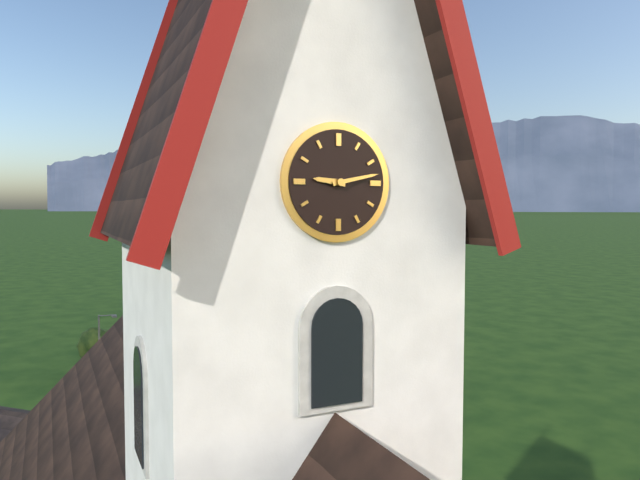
9:13
